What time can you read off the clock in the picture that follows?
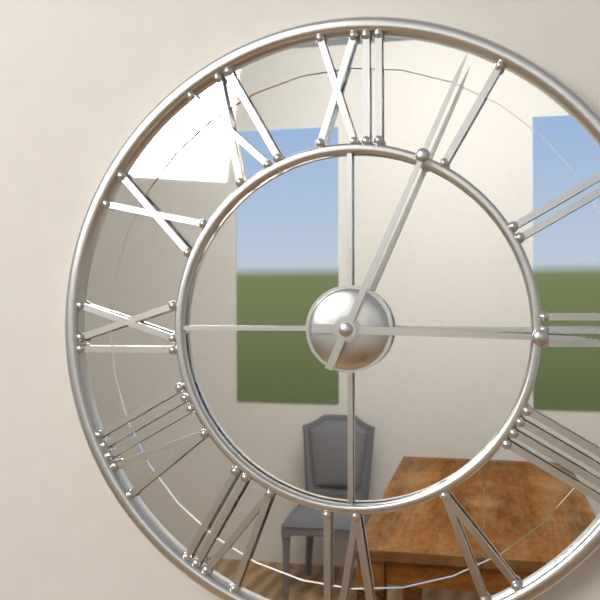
3:04
